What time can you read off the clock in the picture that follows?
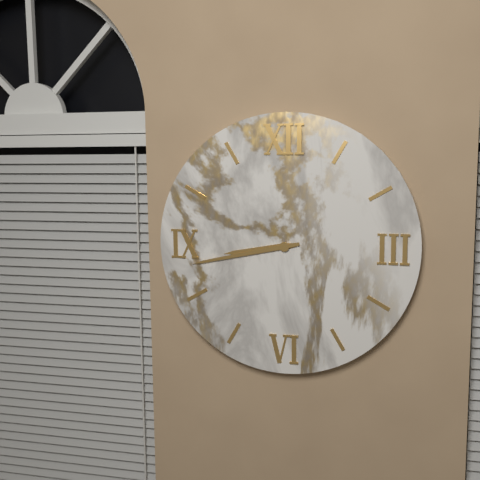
8:43
